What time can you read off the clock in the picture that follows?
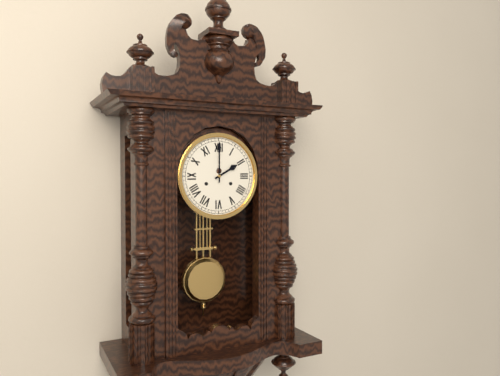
2:00
